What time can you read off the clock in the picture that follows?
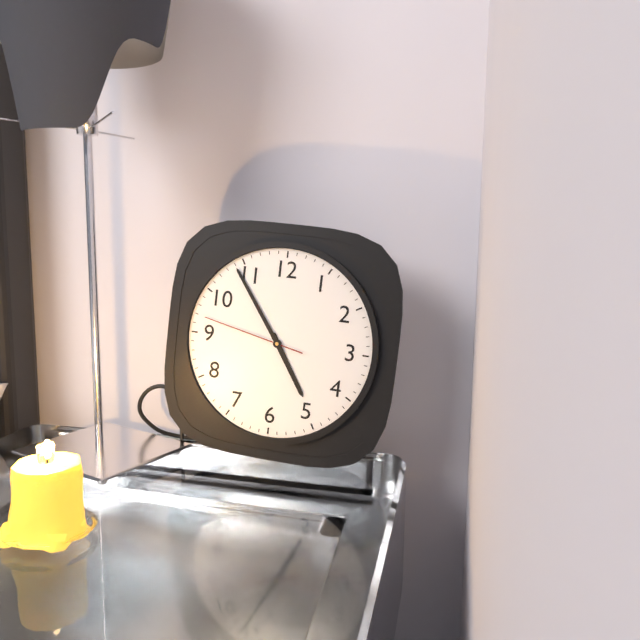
4:54:47
